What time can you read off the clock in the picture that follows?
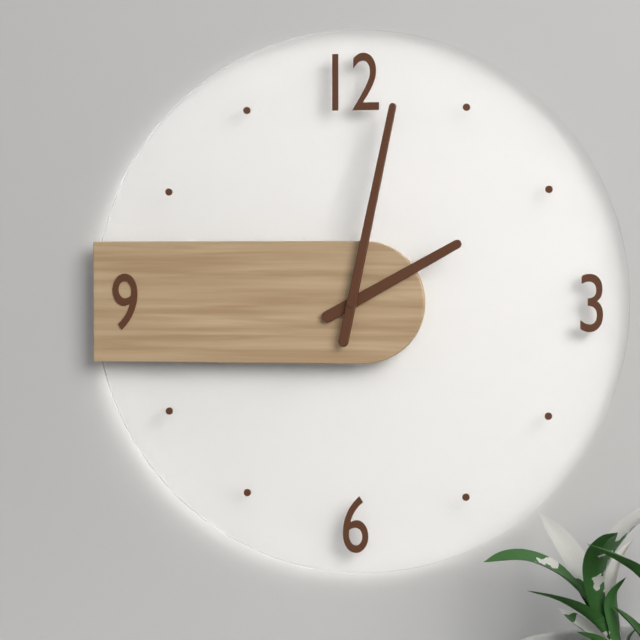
2:02
